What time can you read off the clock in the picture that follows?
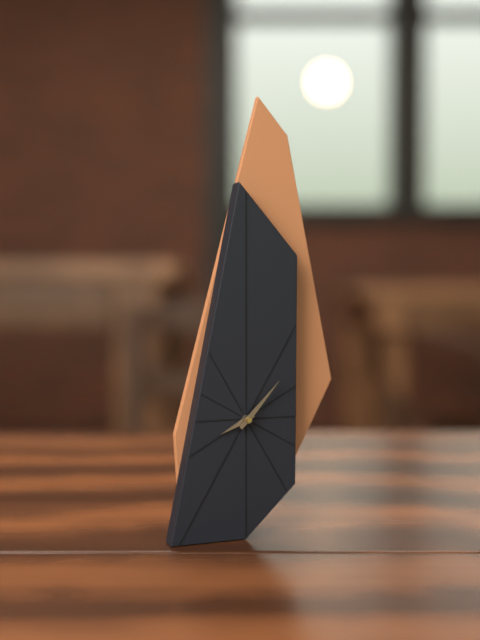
8:07
